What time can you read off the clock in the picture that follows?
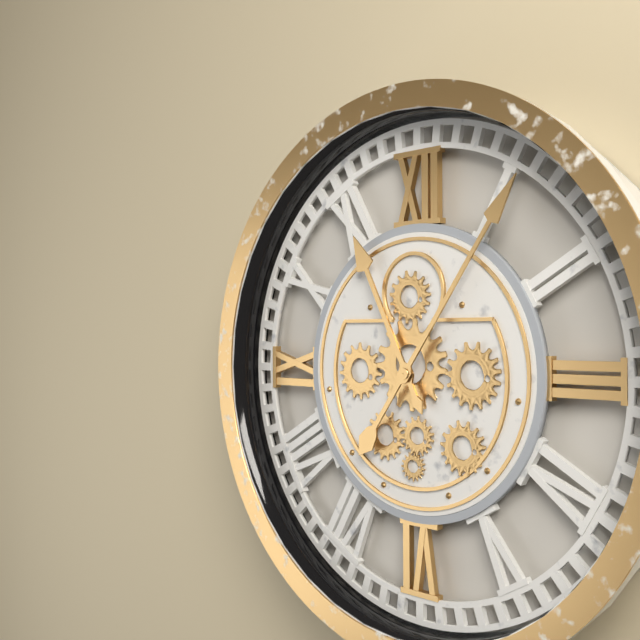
11:06
